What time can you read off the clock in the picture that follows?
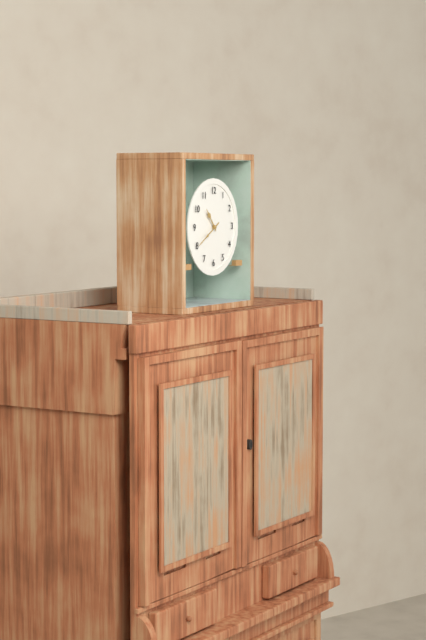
10:40
